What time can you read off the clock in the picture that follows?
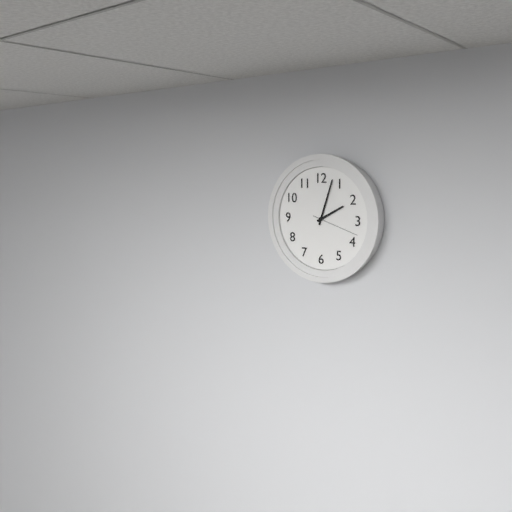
2:03
